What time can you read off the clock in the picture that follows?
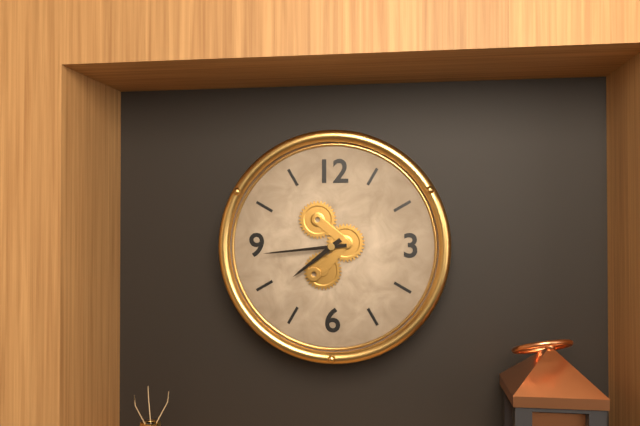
7:44
